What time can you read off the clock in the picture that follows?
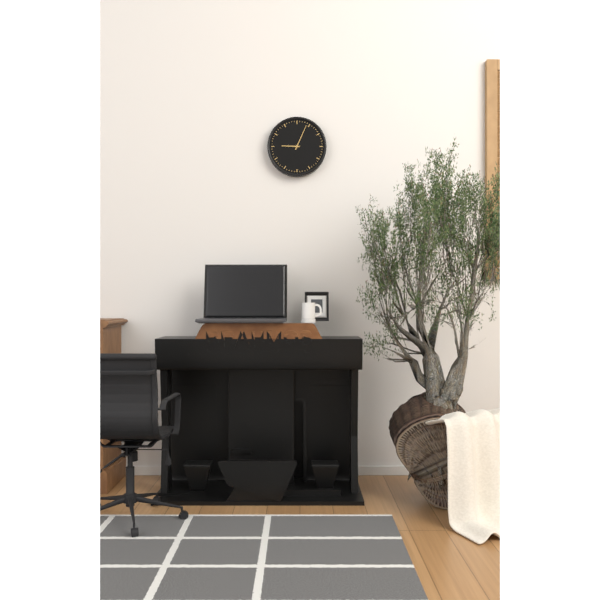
9:04
